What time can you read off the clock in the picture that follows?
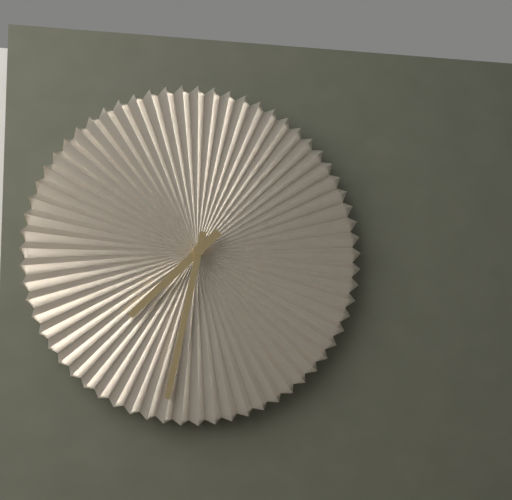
7:32
